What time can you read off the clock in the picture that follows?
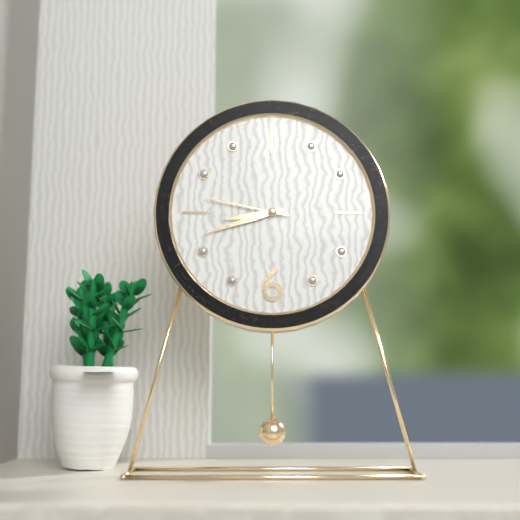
8:42:47
